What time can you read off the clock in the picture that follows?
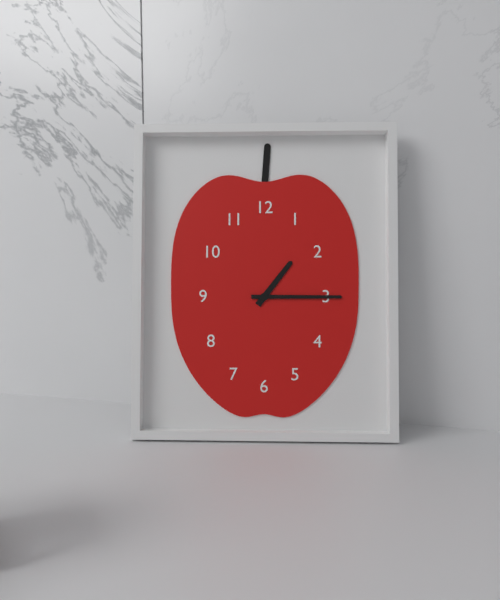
1:15
